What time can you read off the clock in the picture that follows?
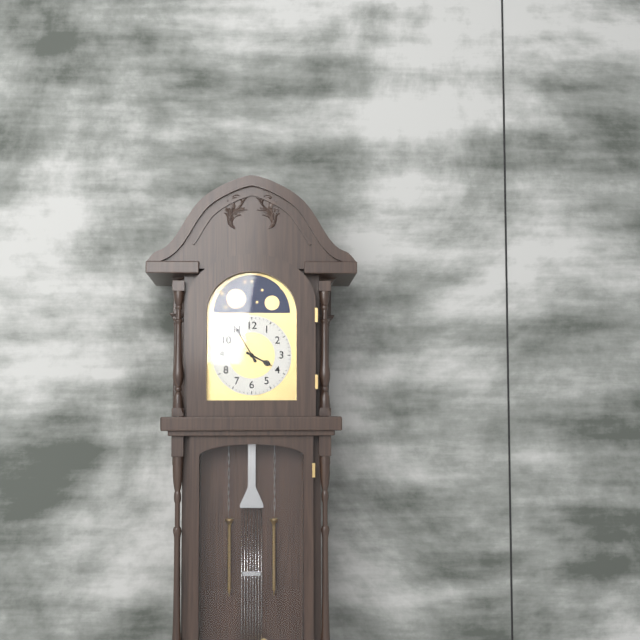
3:55
